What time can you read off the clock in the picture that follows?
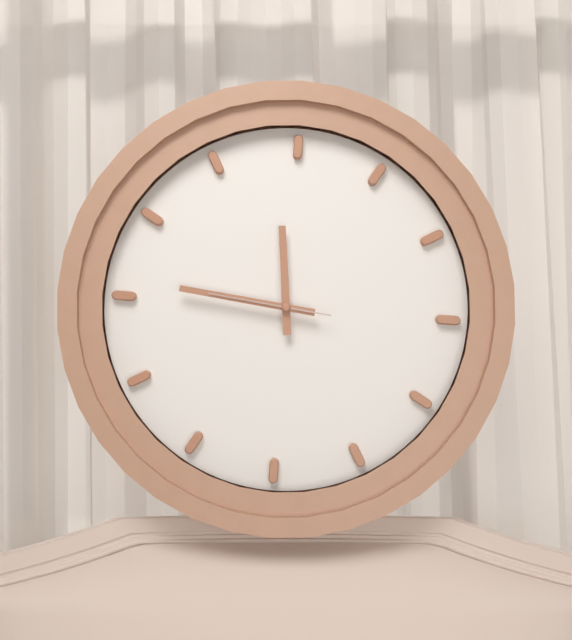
11:46:46
